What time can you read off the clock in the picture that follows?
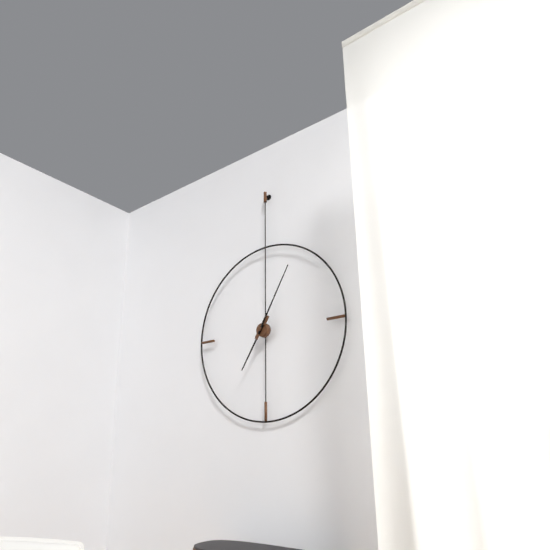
7:05
